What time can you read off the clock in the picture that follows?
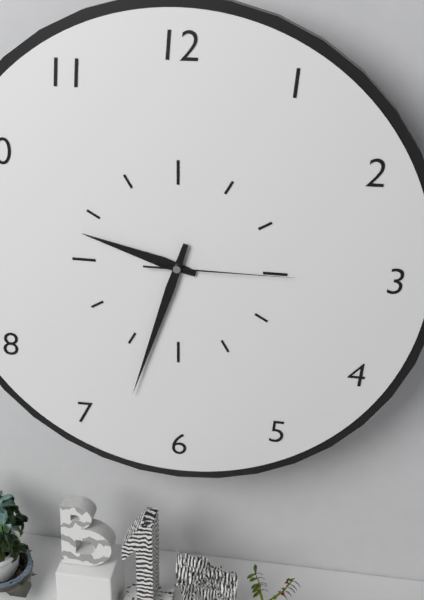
9:33:15
